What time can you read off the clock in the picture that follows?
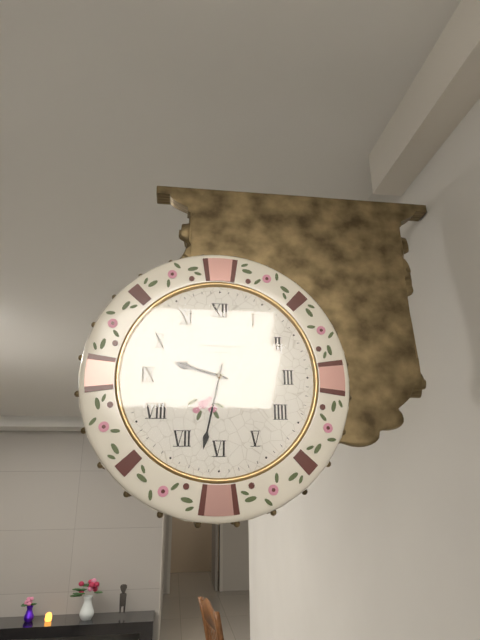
9:32
